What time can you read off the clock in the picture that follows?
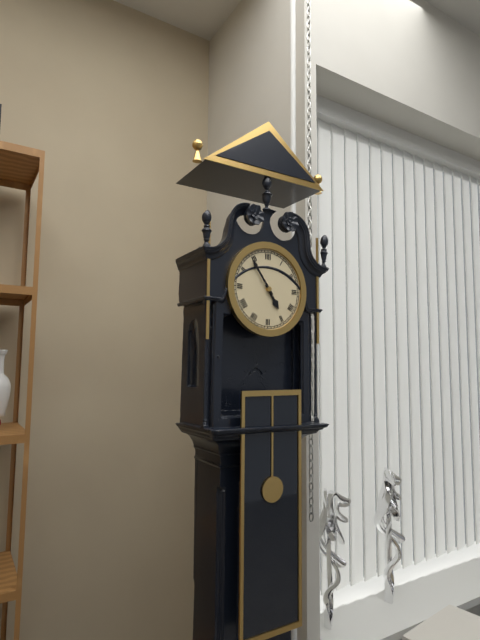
4:54
